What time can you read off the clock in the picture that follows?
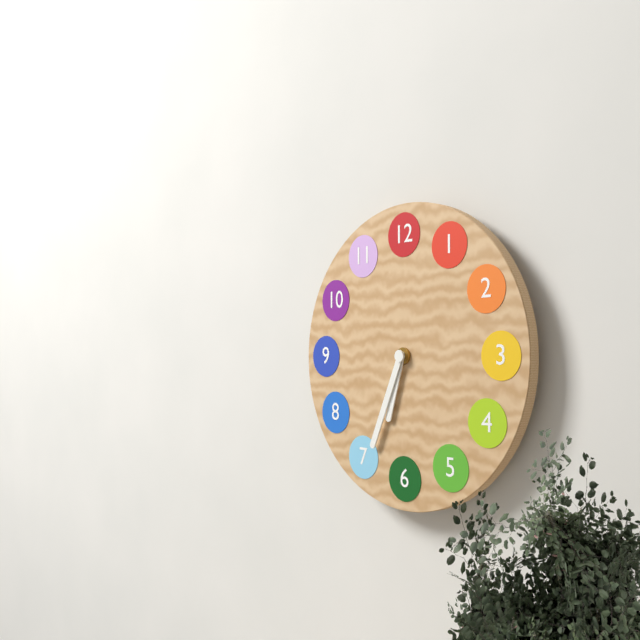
6:34
